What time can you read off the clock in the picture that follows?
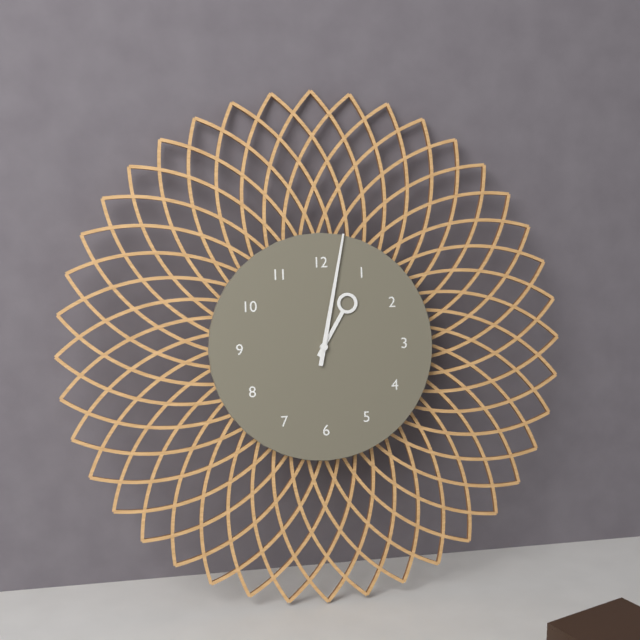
1:02
